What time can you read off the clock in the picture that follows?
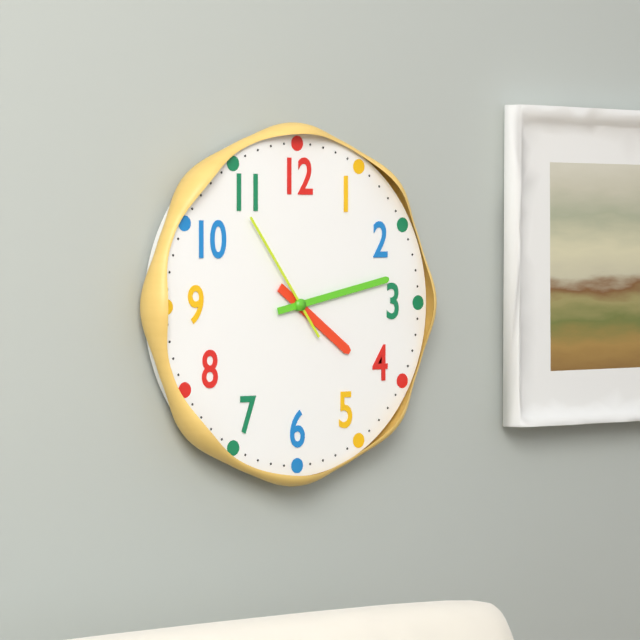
4:13:54
